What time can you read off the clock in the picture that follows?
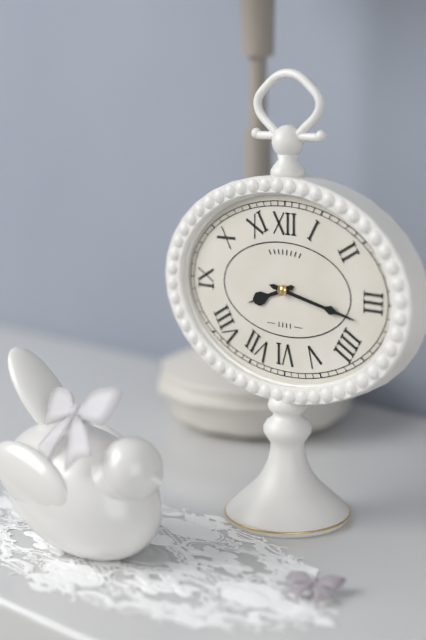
8:17
